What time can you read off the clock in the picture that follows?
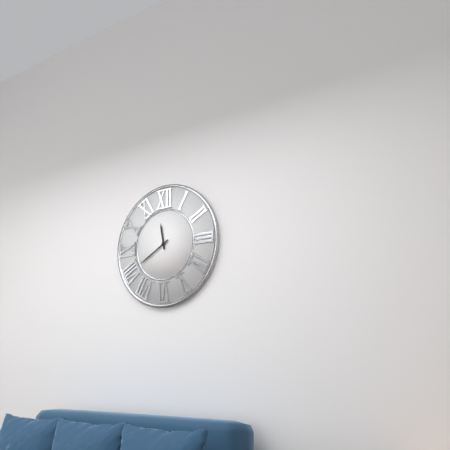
11:40
